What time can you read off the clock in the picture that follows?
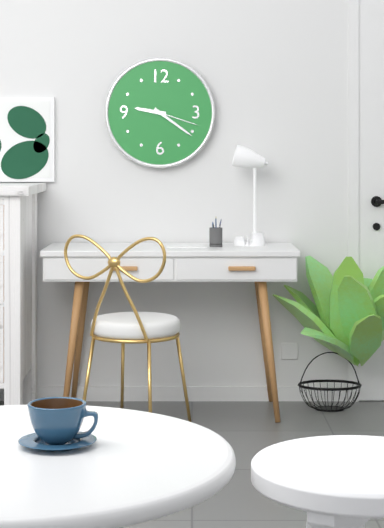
9:21:18
